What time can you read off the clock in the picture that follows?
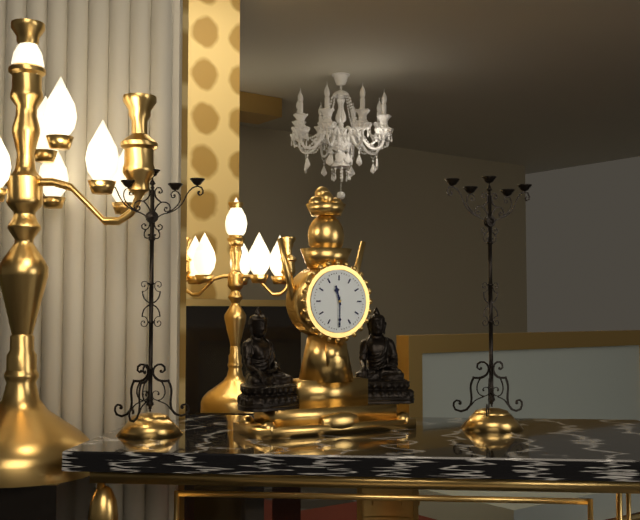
11:30
